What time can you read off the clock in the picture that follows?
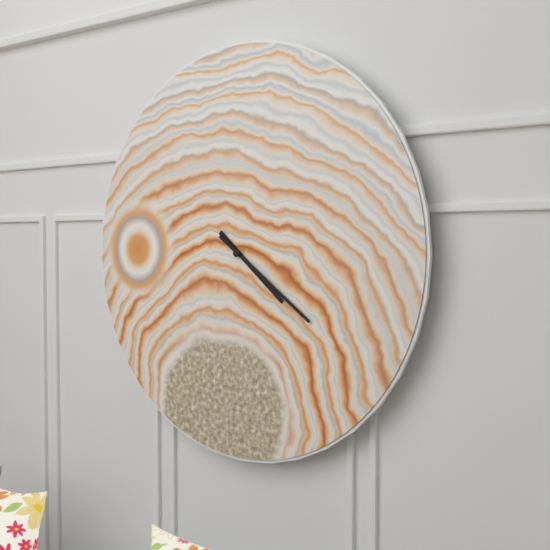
4:21
